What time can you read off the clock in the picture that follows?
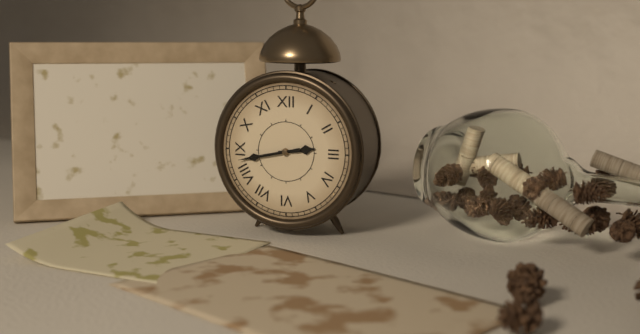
2:43:43
